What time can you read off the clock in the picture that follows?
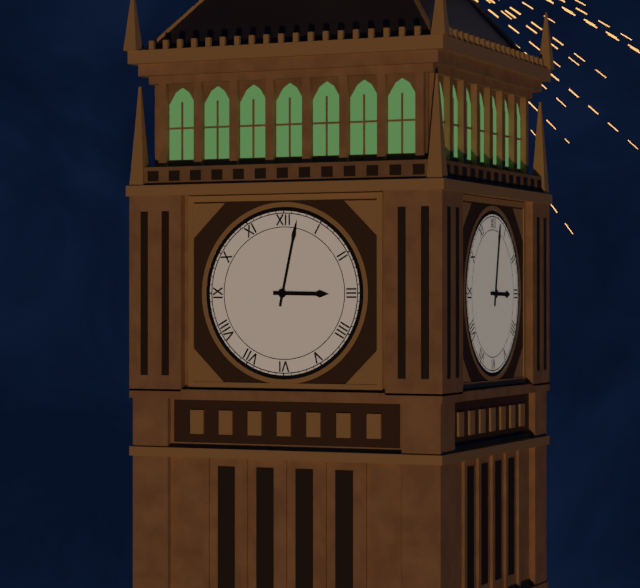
3:02
